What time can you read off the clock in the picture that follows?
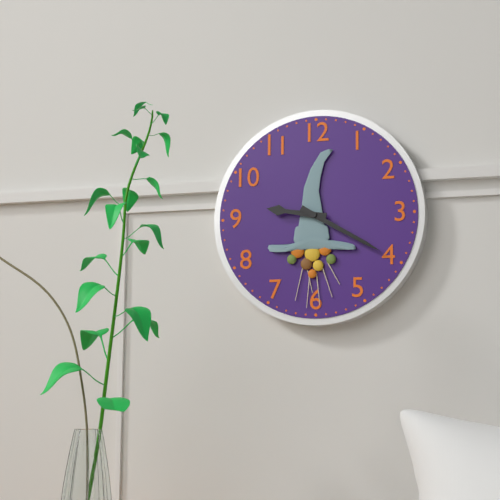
9:20
